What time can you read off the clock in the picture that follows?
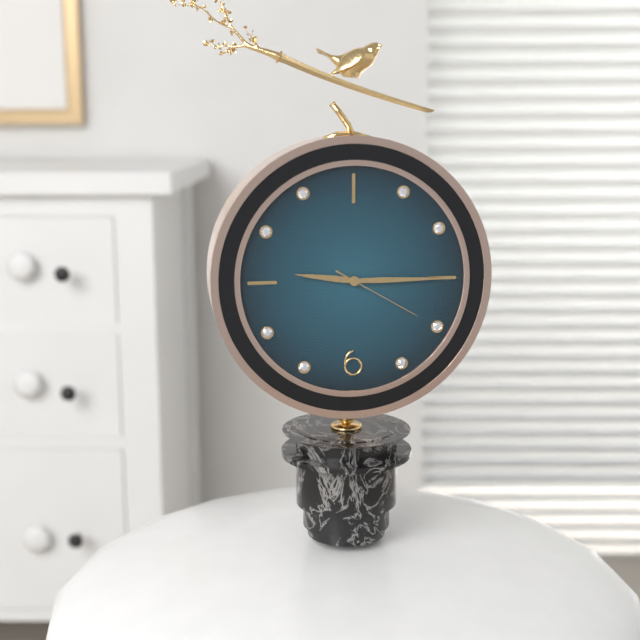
9:15:20
